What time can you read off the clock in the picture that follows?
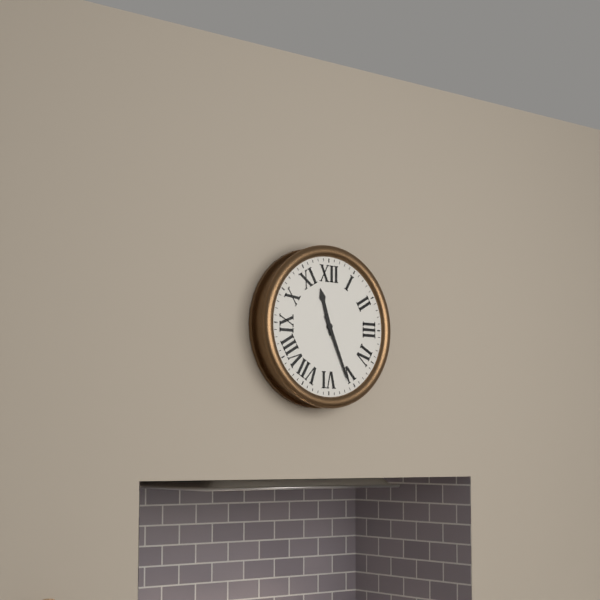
11:26
